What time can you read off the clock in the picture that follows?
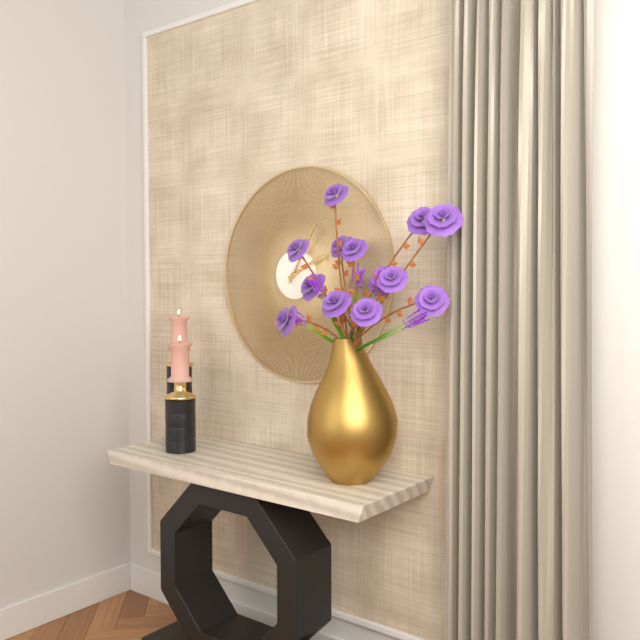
2:05
